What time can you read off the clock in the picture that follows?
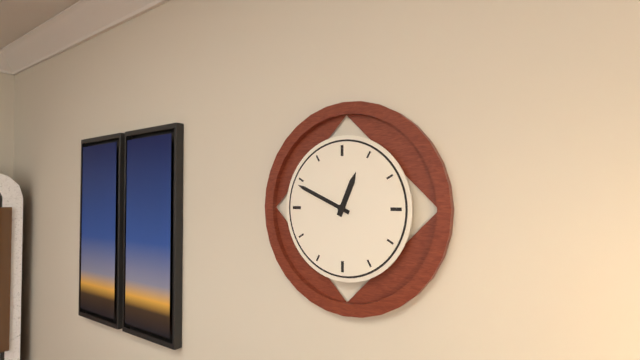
12:49
